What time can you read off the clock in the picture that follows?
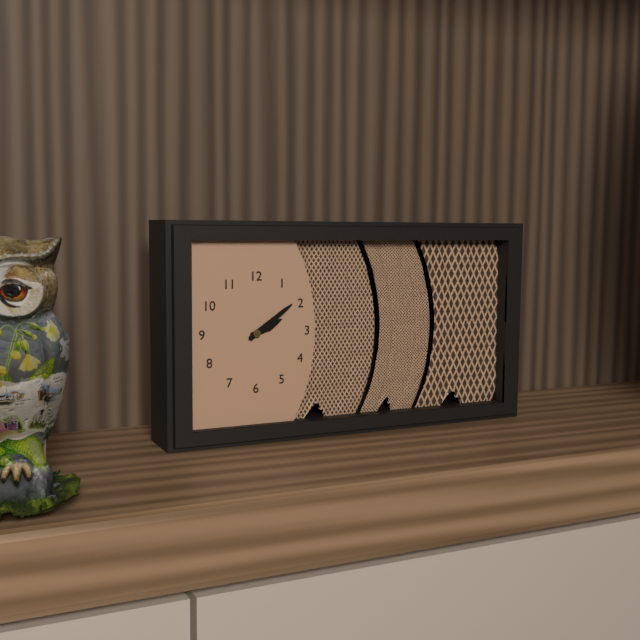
2:09
